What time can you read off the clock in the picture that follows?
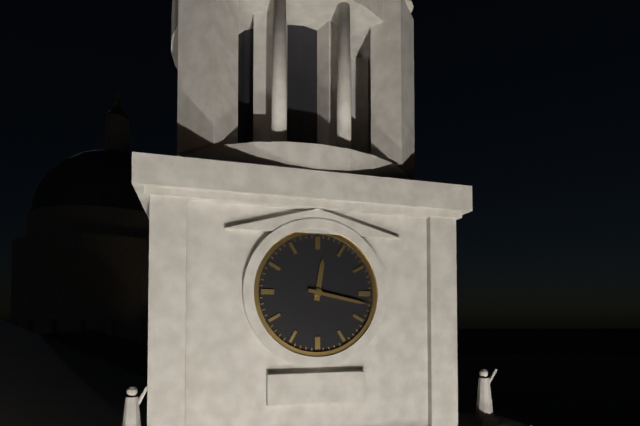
12:17
